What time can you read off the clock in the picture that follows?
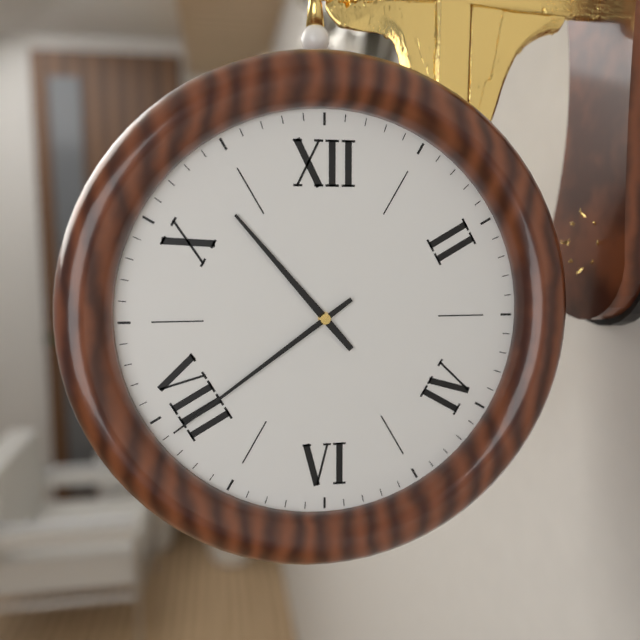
10:39
